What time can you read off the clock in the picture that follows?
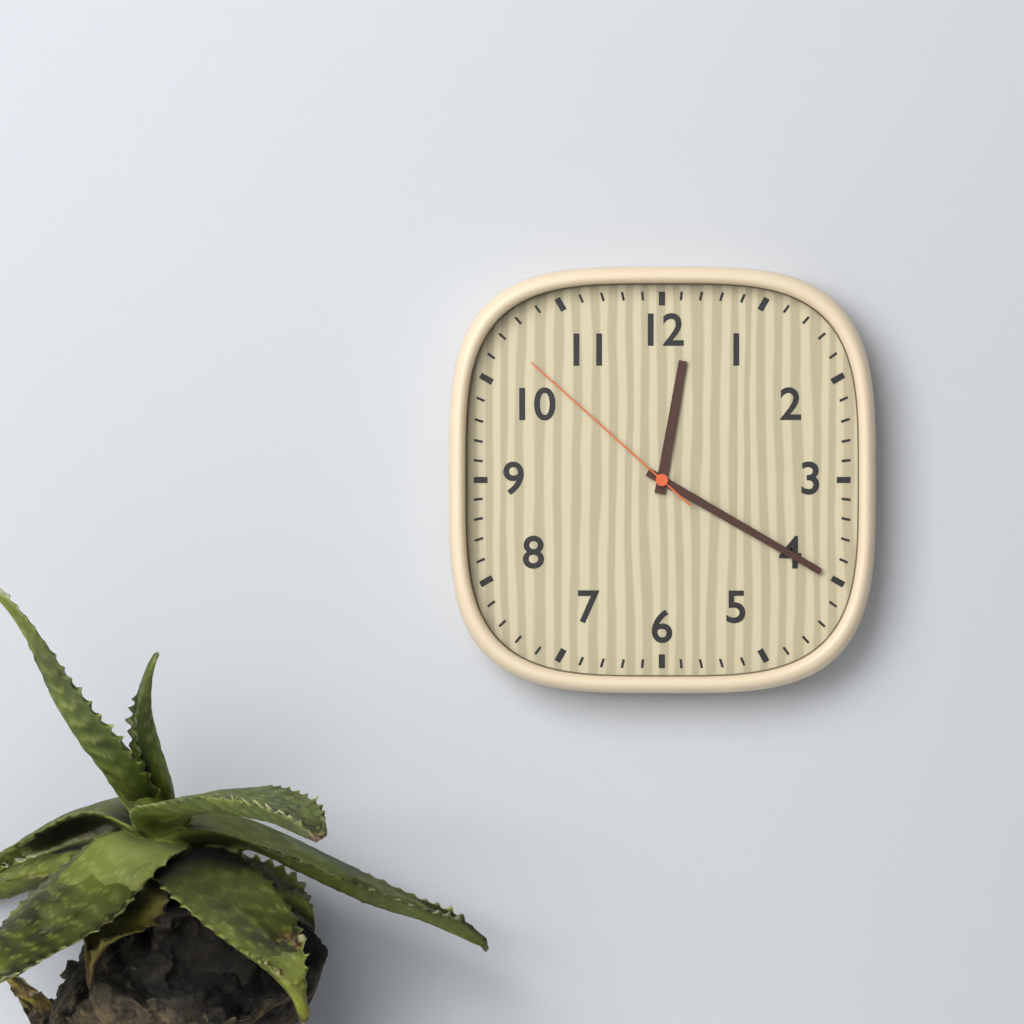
12:20:52
